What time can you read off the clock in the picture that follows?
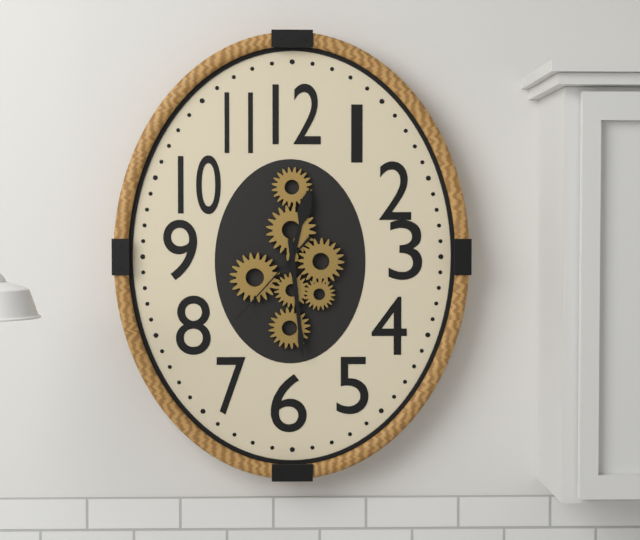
12:29:37
